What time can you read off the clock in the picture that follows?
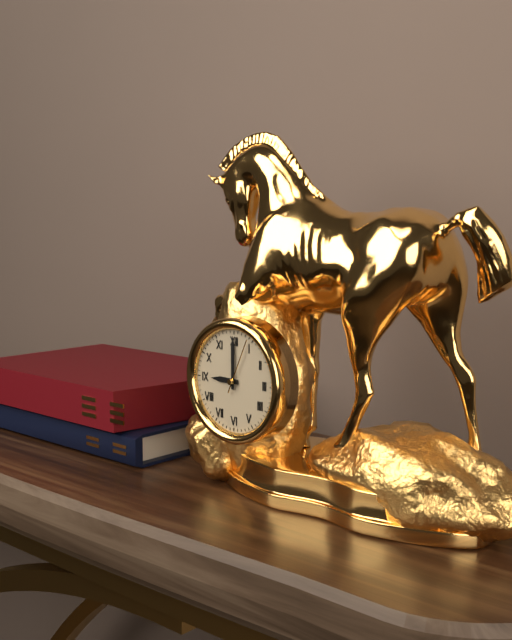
9:00:04
